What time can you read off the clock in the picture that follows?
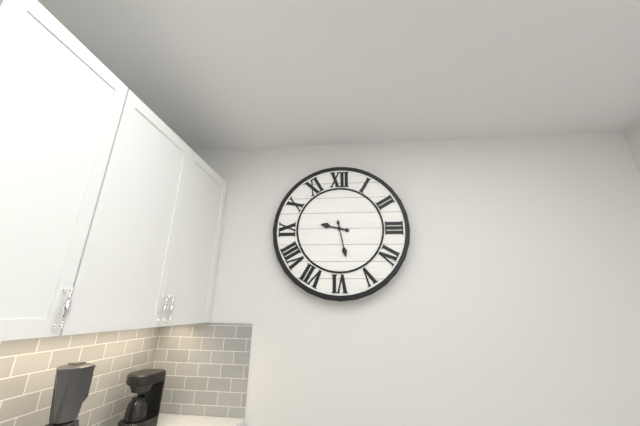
9:28
